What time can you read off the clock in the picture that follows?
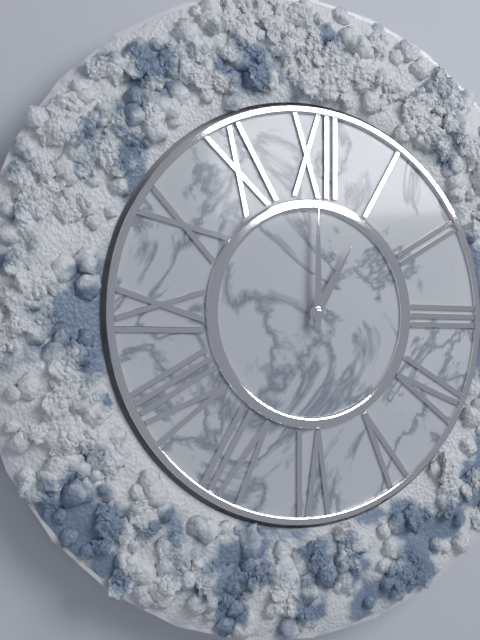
1:00
